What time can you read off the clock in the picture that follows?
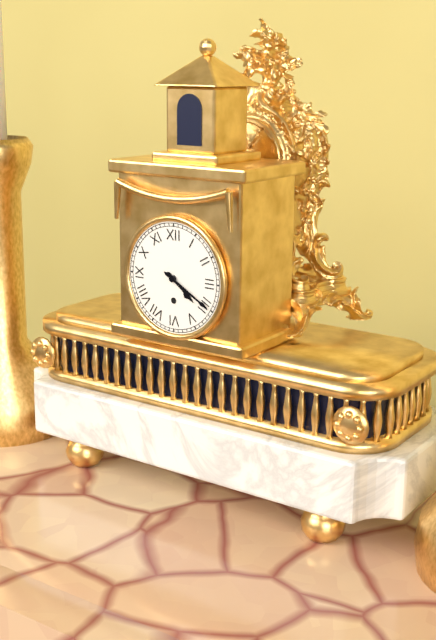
4:20
